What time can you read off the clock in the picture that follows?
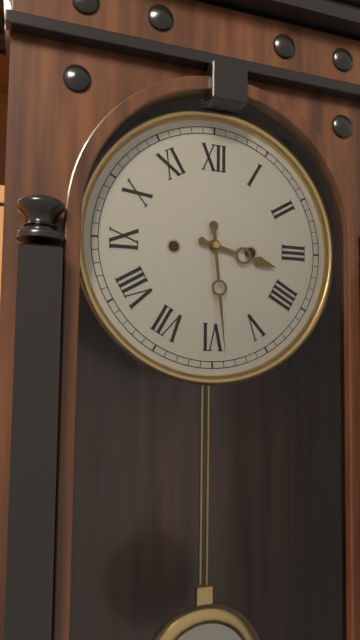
3:29
